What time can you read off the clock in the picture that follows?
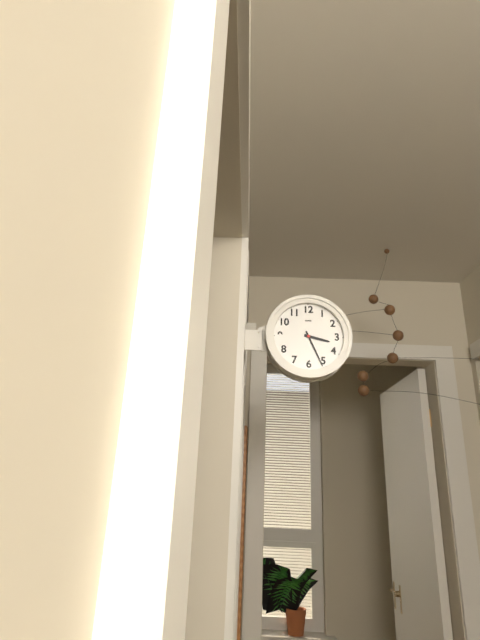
3:26
